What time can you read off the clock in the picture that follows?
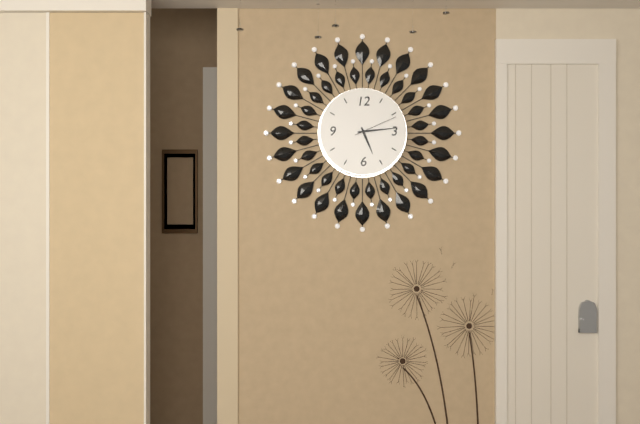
5:14
